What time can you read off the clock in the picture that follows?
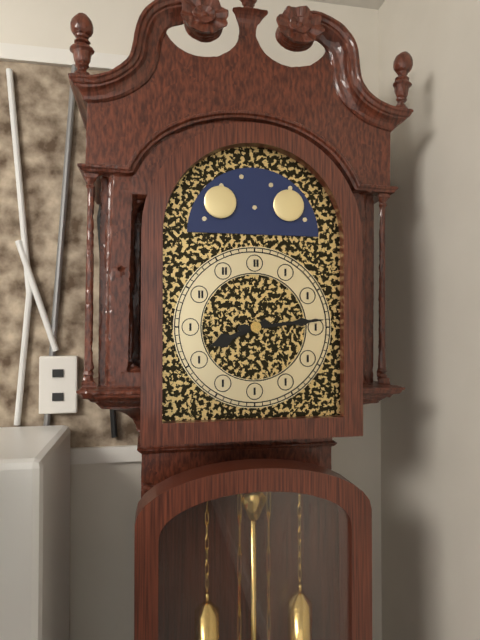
8:14
